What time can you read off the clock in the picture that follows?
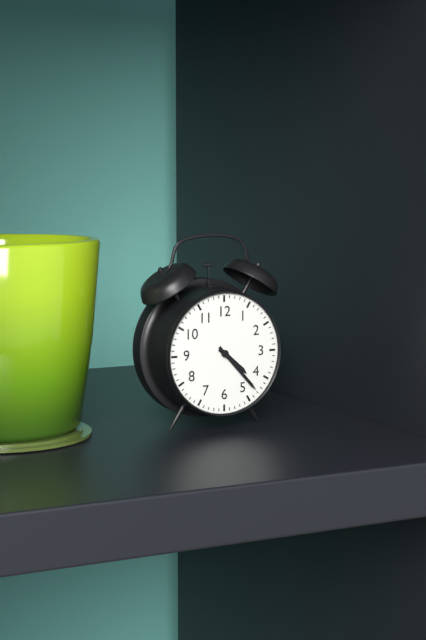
4:23
